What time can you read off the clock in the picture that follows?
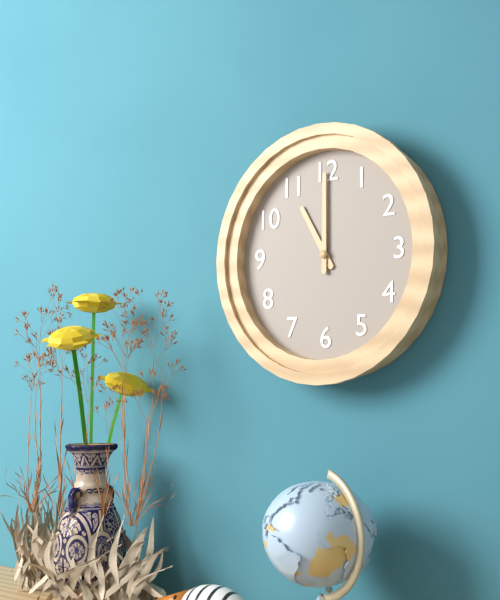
11:00
